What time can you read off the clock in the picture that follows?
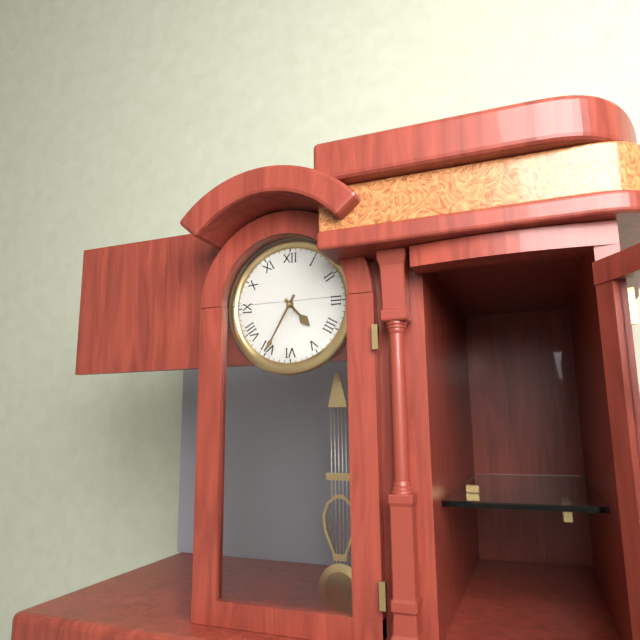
4:35
